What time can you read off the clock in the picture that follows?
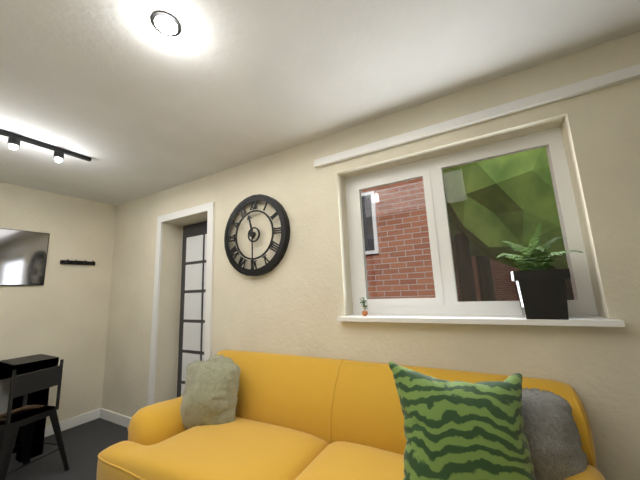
11:30
